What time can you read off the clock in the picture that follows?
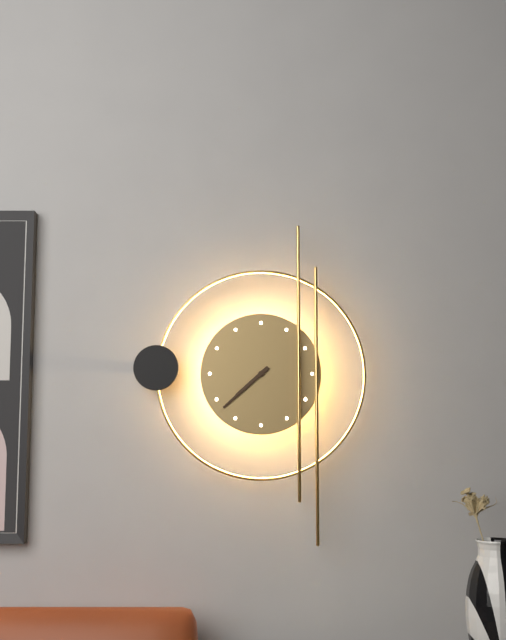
7:38
